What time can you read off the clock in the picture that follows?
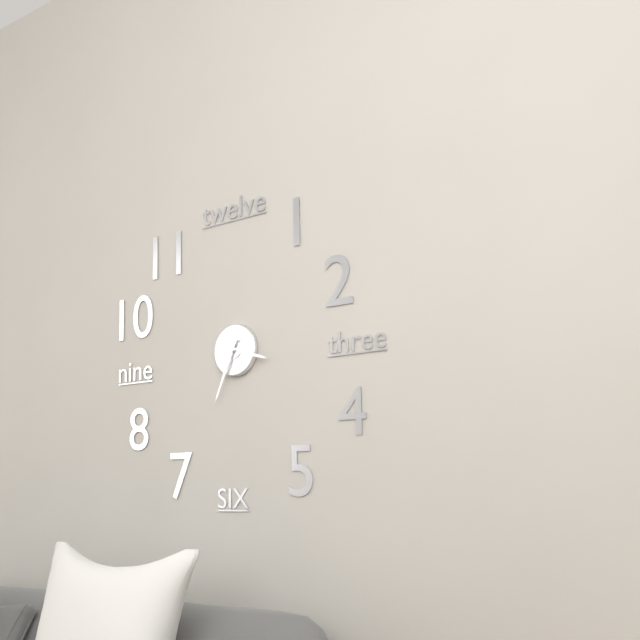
3:34
